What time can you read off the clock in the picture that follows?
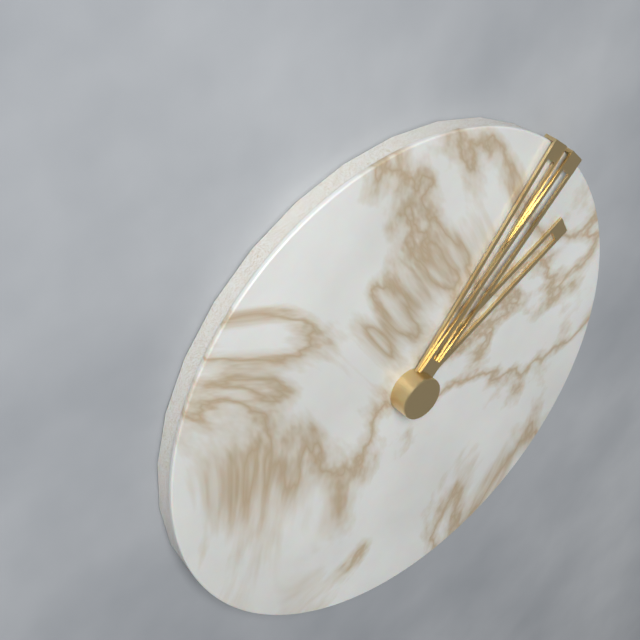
2:07:08
